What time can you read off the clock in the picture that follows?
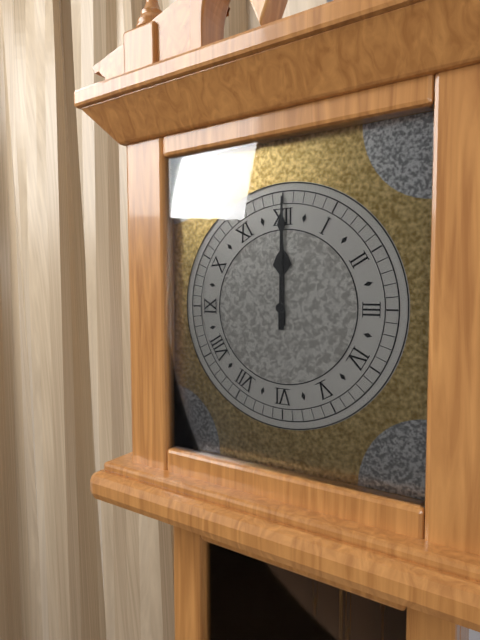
12:00
